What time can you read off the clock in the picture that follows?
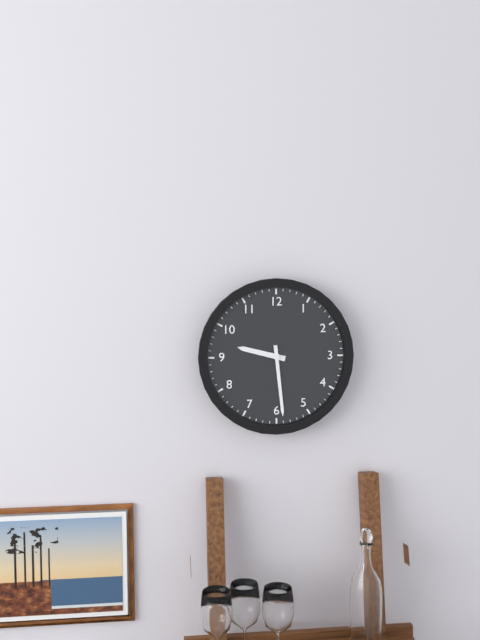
9:29
